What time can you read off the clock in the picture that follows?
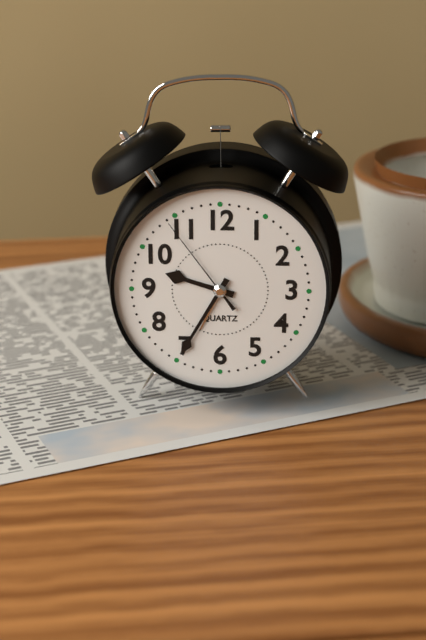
9:35:54
